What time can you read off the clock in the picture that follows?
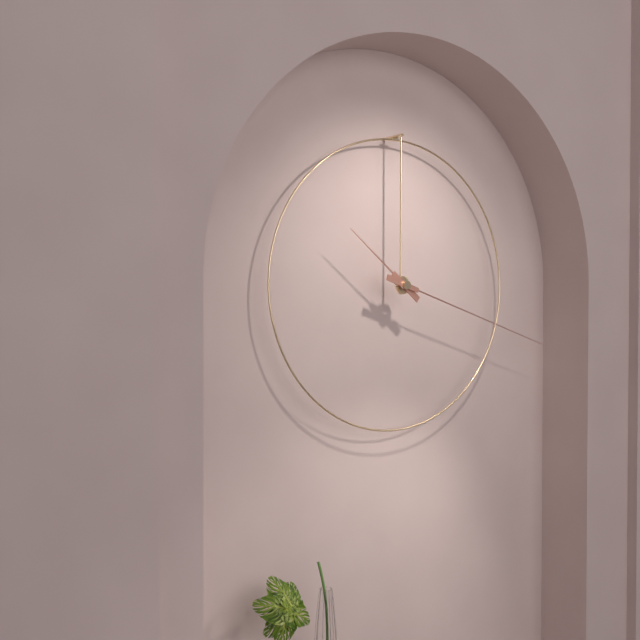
10:18
